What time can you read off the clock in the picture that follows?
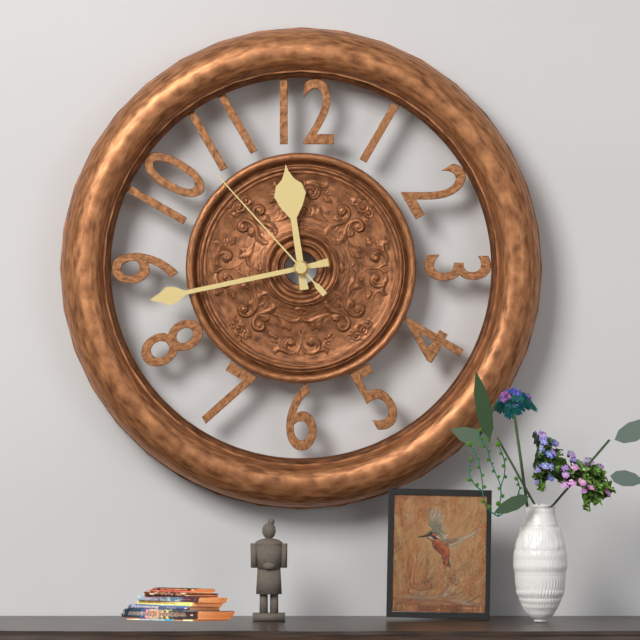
11:43:53
